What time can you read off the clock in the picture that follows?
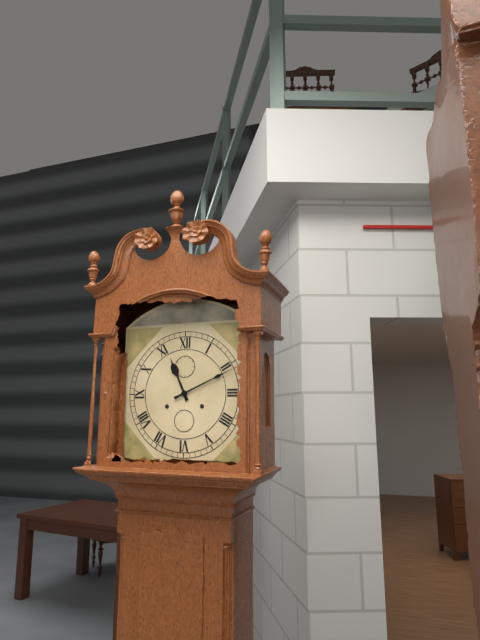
11:11
